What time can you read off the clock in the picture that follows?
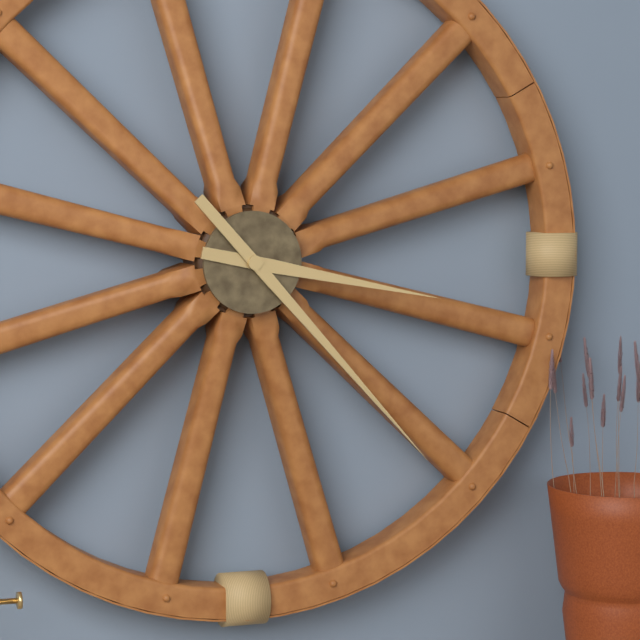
3:23
